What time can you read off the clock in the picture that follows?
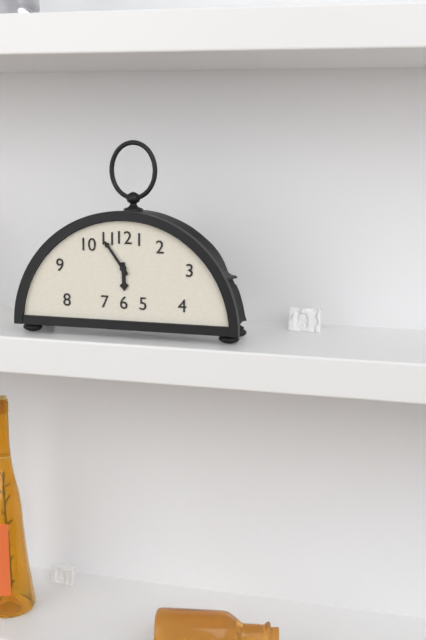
5:54
